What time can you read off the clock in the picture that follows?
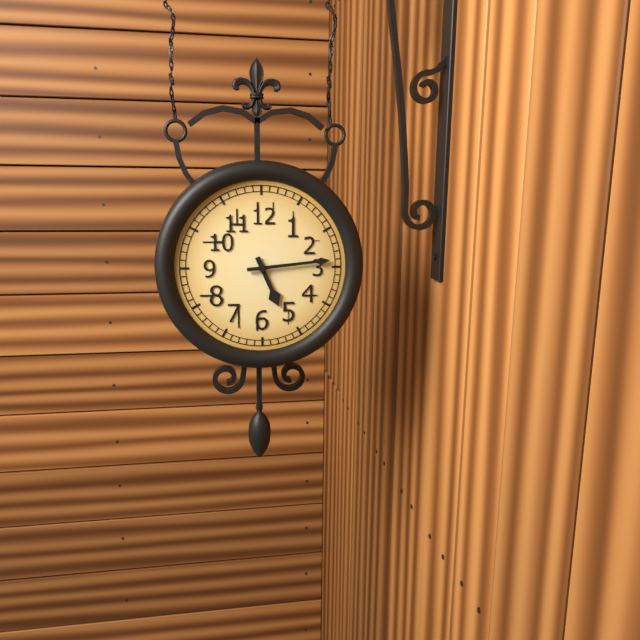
5:14
